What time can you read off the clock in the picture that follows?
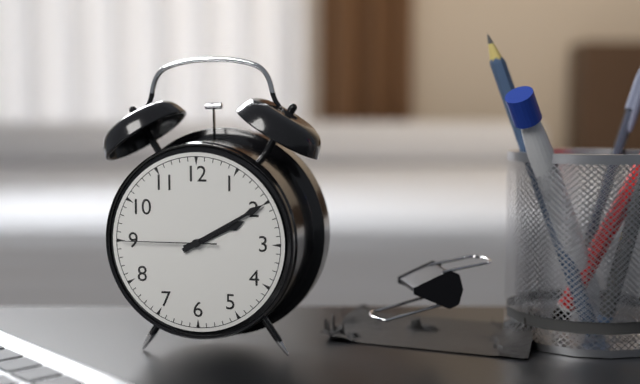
2:10:45
